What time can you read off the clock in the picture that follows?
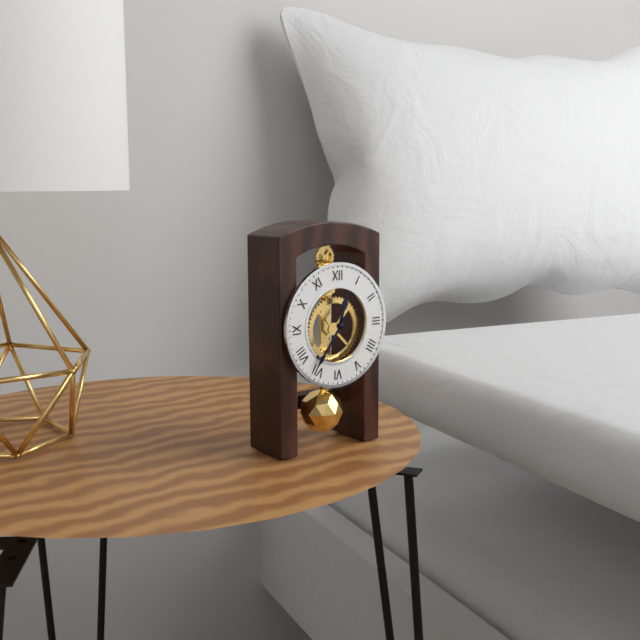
12:36
